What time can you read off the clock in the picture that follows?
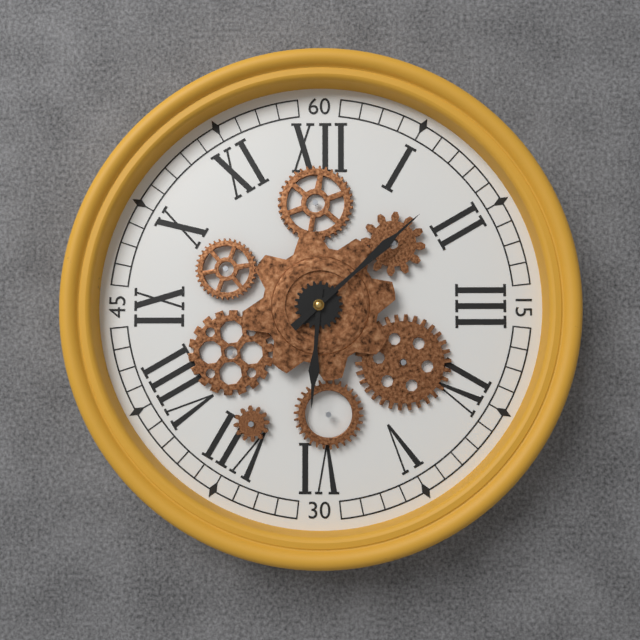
6:08
